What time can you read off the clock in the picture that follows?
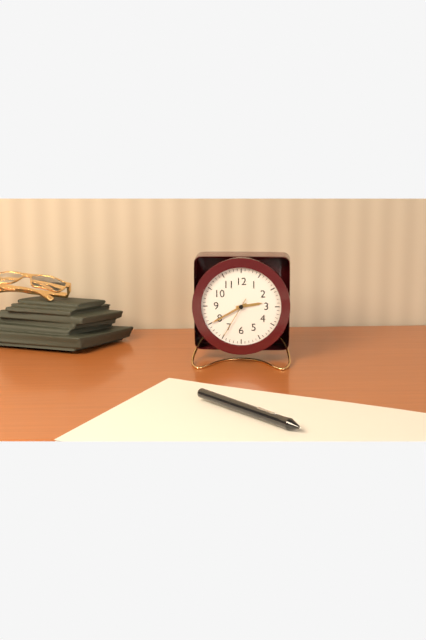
2:40
